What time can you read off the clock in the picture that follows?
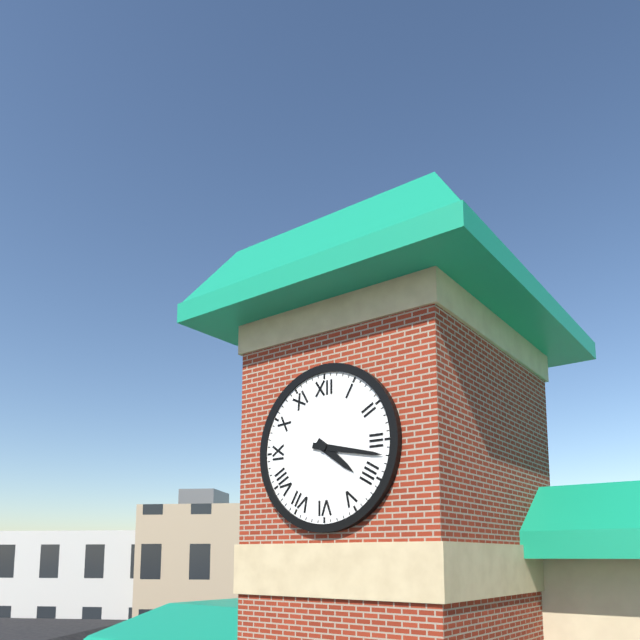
4:17
